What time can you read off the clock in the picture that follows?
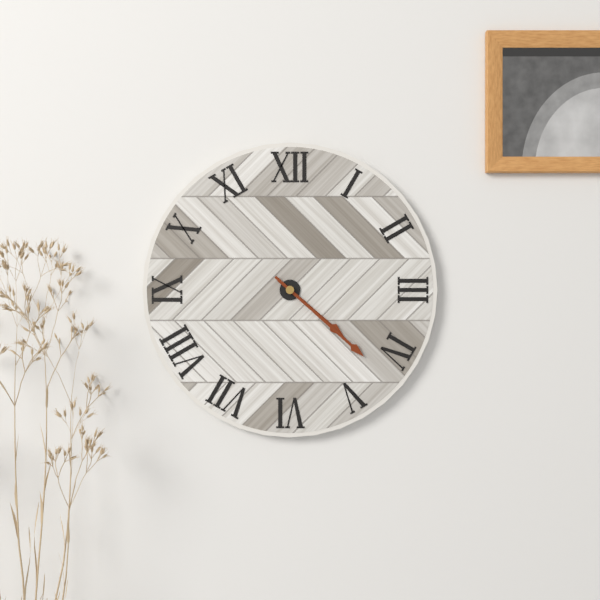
4:22
